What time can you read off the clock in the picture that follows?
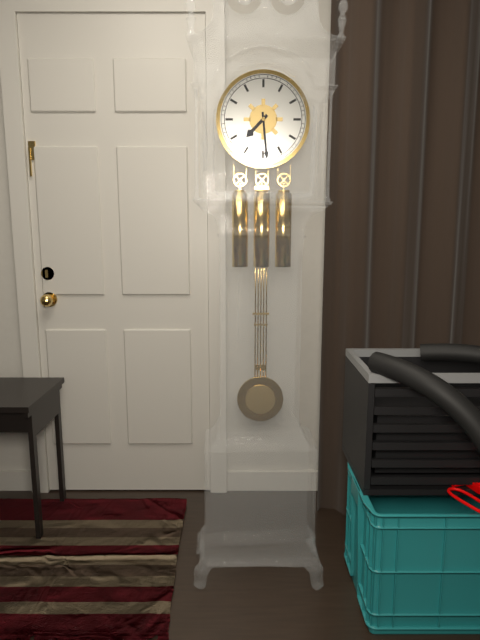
7:29
